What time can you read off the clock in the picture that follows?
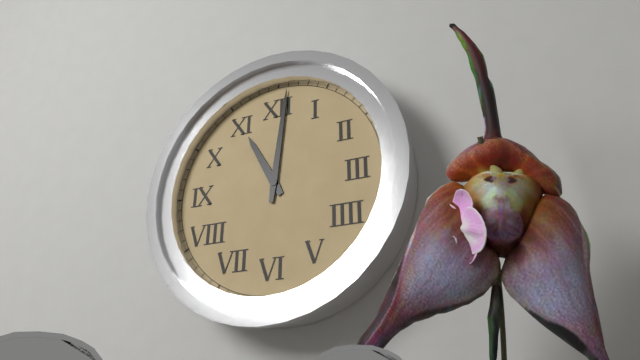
11:01
